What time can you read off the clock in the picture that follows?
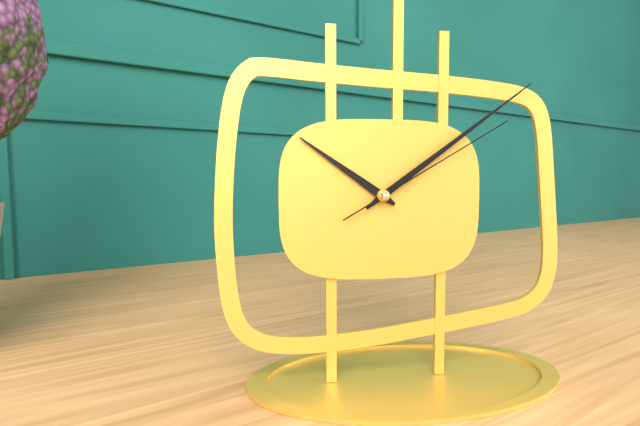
10:09:10
